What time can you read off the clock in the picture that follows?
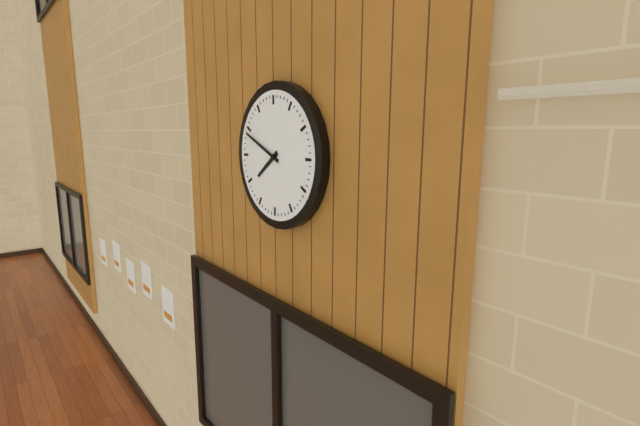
7:49
